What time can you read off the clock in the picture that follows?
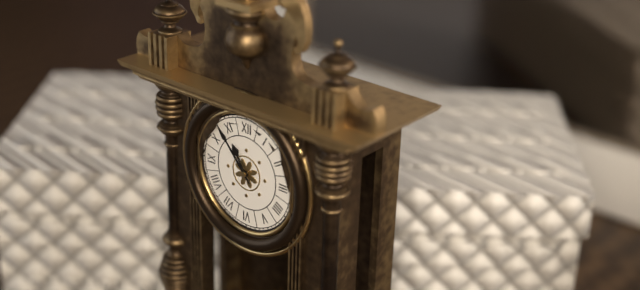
10:53
